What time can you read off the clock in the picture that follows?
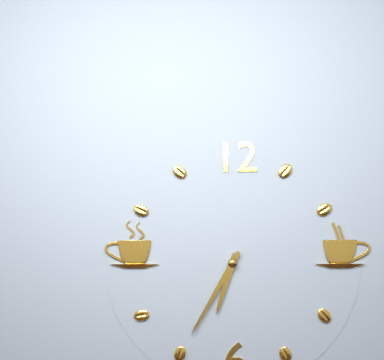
6:35
